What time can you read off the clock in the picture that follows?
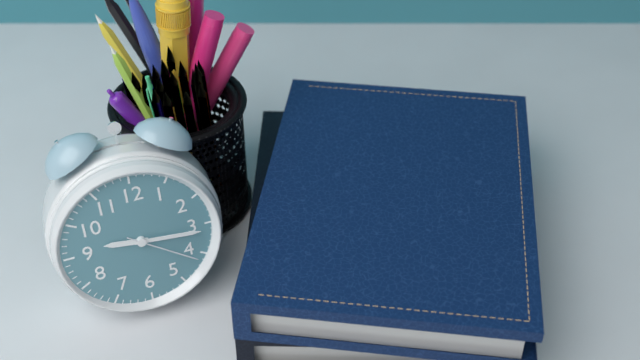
9:16:21
